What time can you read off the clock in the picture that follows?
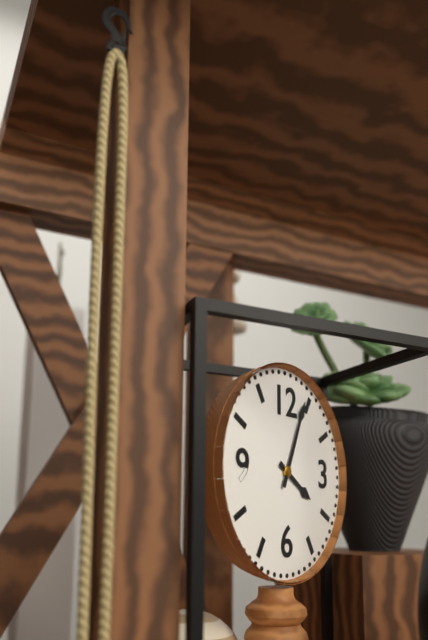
4:04
